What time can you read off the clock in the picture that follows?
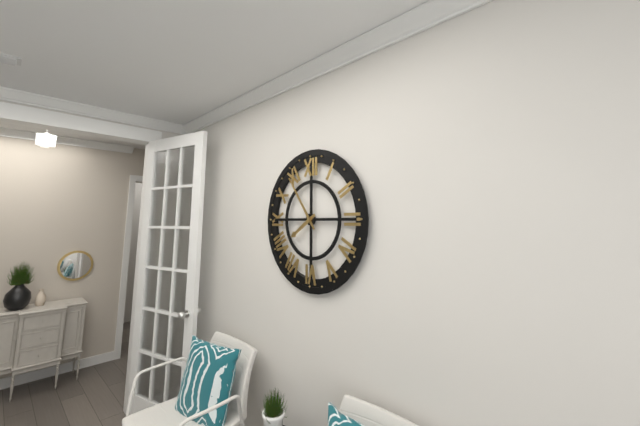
7:54
